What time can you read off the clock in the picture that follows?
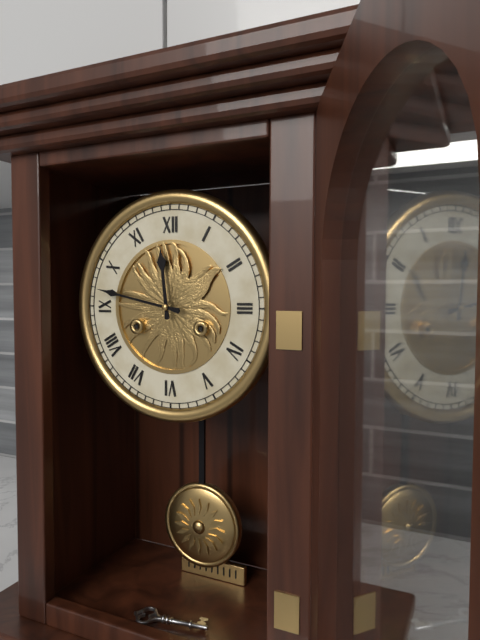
11:47
